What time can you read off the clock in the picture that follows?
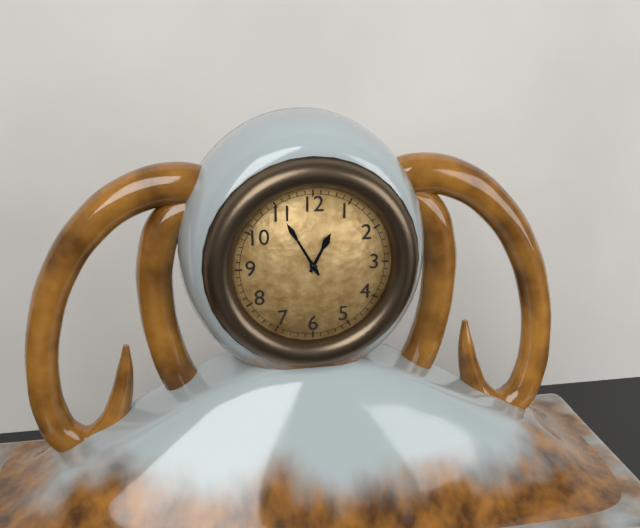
12:55
